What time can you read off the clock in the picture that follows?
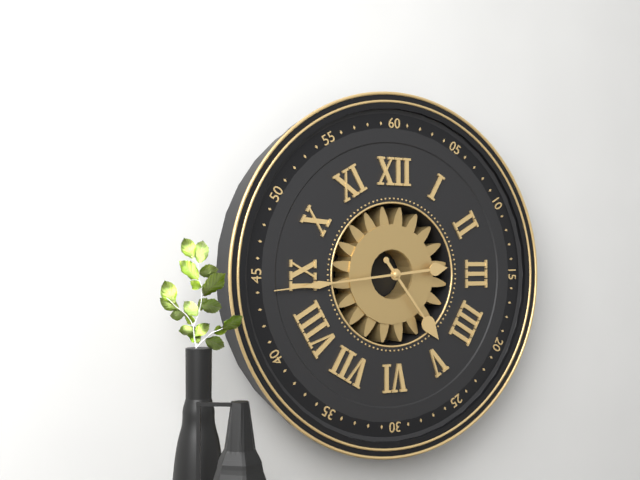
4:44
